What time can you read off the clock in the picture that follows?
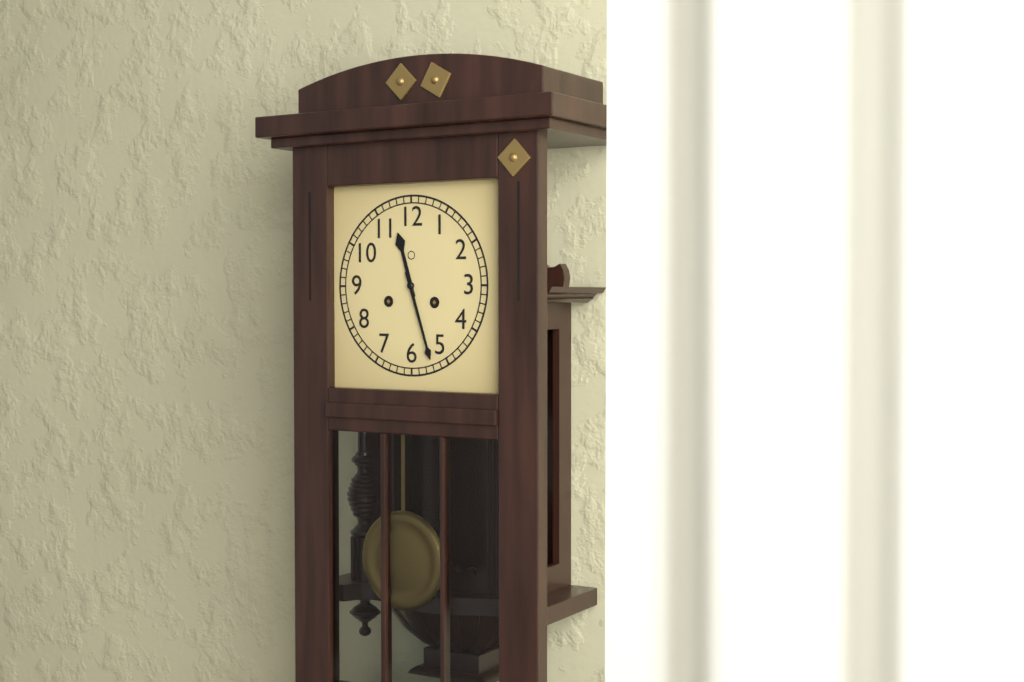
11:27
